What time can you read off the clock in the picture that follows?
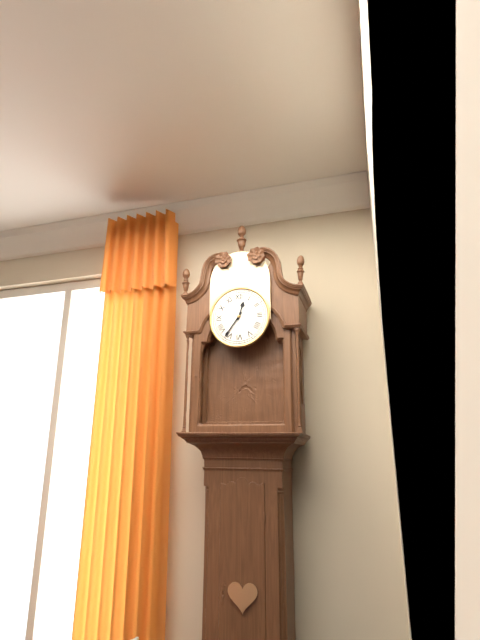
12:36
